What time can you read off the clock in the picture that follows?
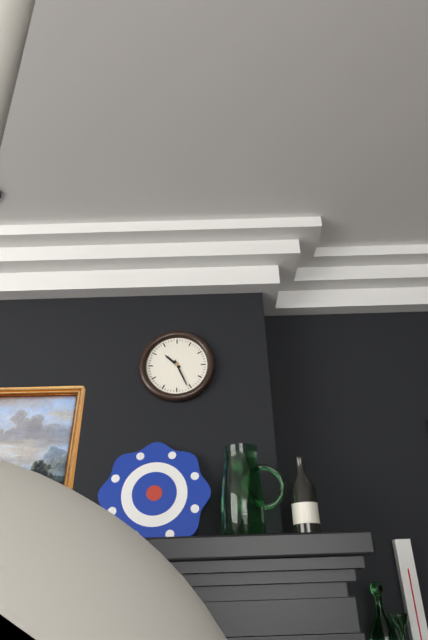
10:26
